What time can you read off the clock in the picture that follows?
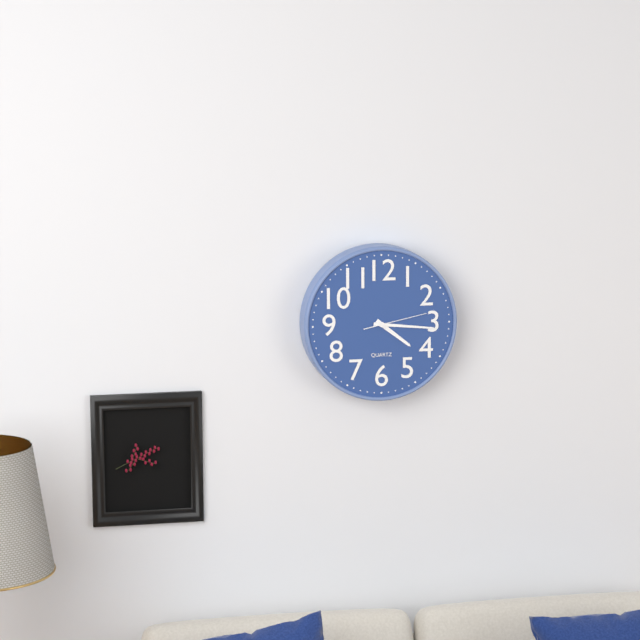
4:16:13
